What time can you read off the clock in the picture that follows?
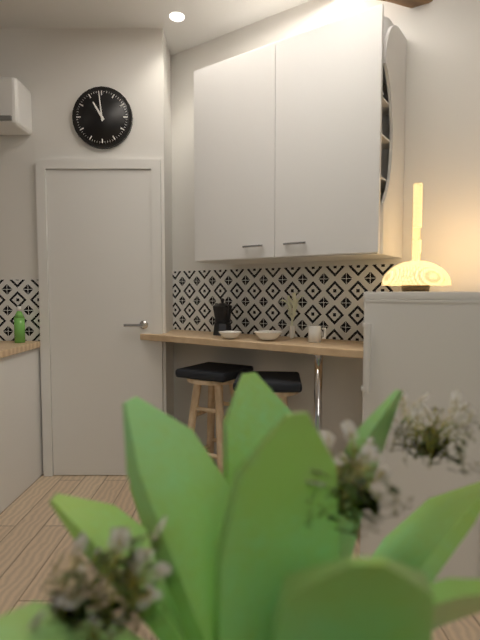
10:59
